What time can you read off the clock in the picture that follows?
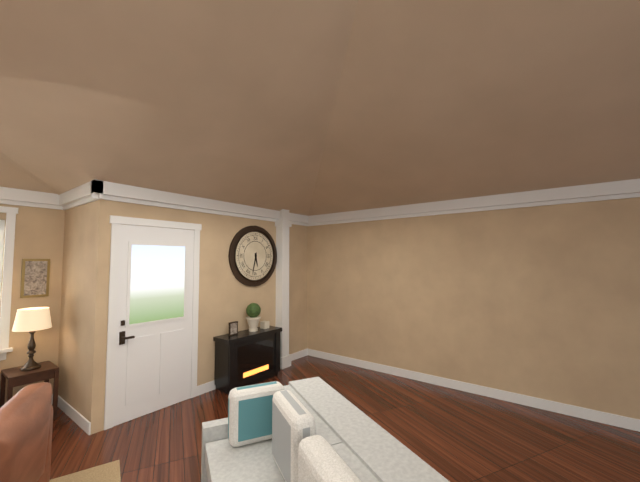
5:32
